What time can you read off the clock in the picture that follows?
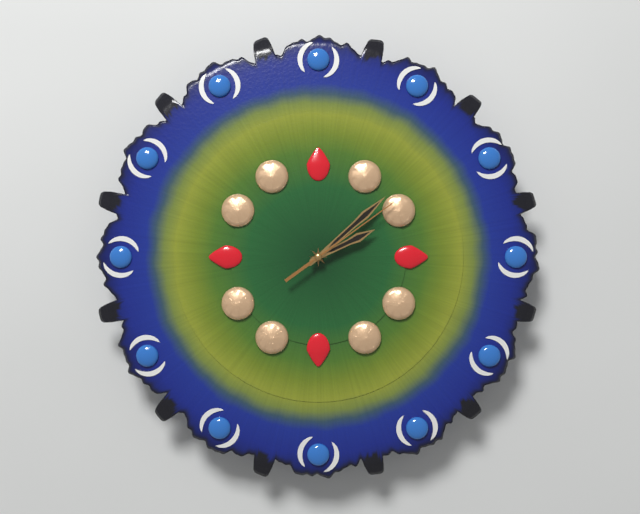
2:08:09
